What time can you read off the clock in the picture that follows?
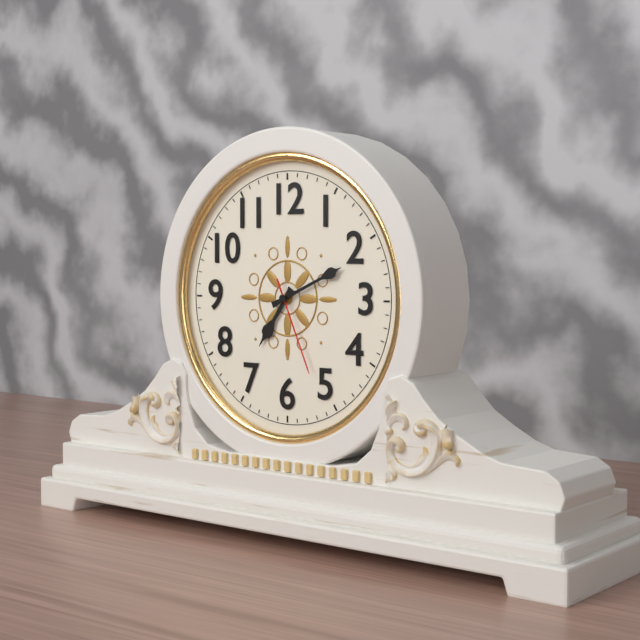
7:11:26
